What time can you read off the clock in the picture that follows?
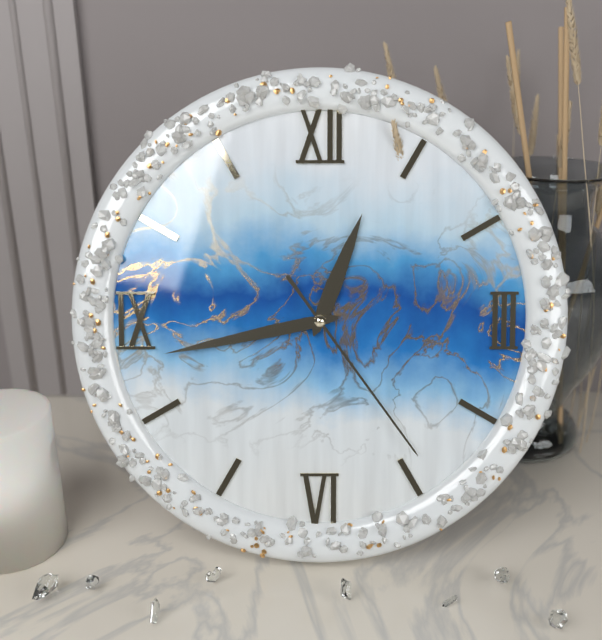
12:43:24
